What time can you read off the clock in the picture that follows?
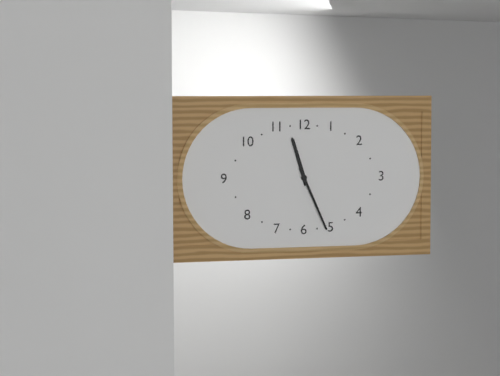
11:26
